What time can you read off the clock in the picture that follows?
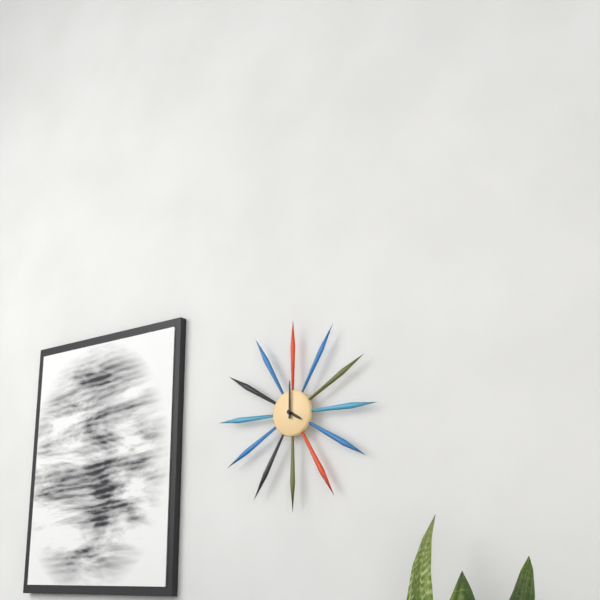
4:00
